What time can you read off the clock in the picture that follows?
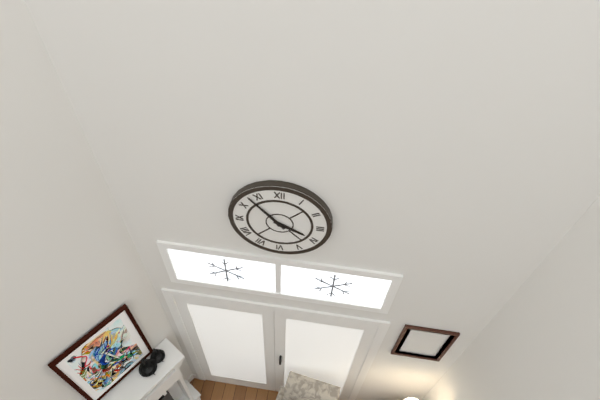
3:53
